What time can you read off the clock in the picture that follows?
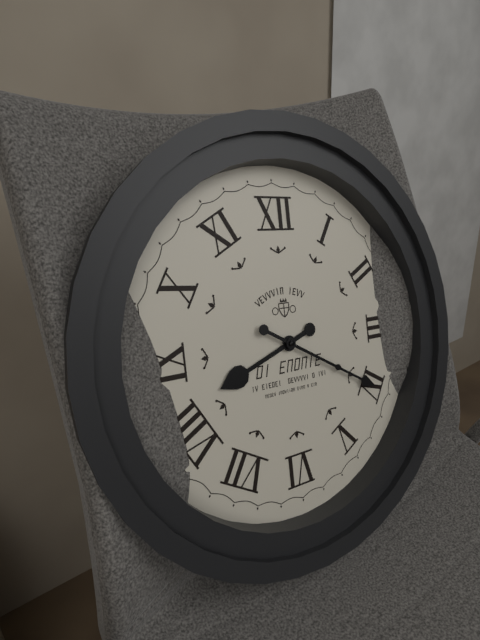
8:20
